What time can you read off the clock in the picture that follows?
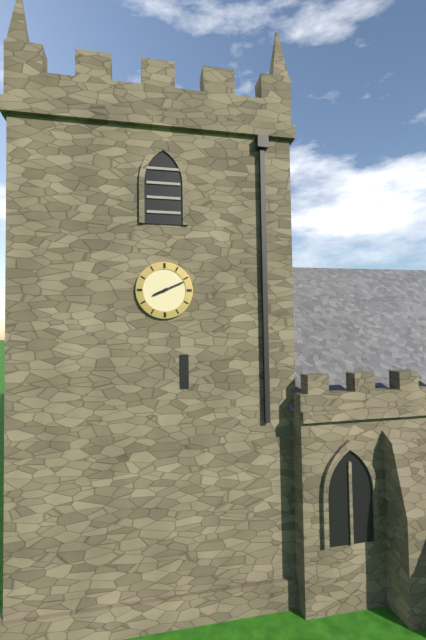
8:11
